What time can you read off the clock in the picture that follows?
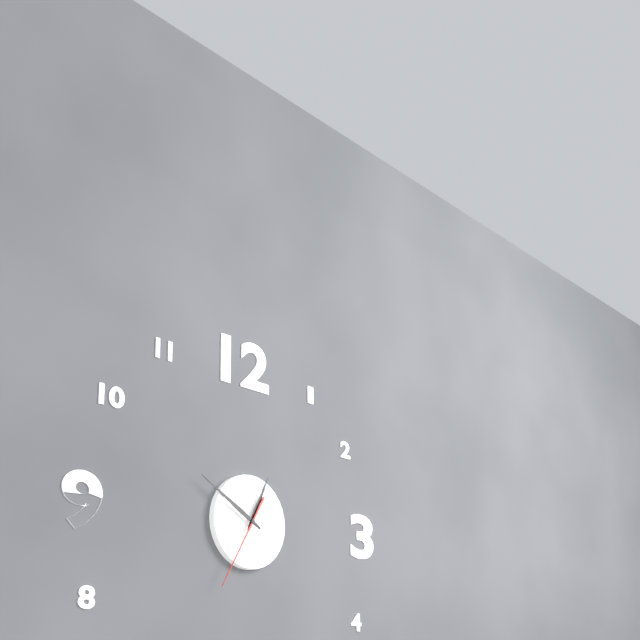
12:50:35
